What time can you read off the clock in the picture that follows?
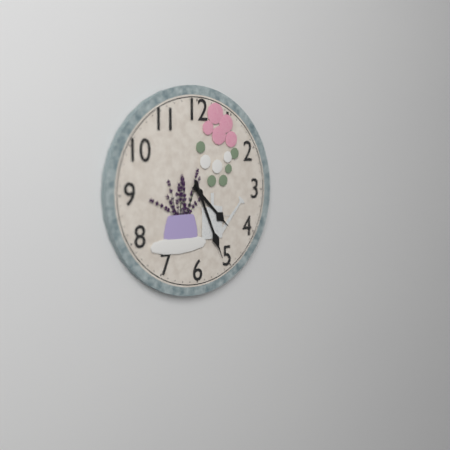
4:26
